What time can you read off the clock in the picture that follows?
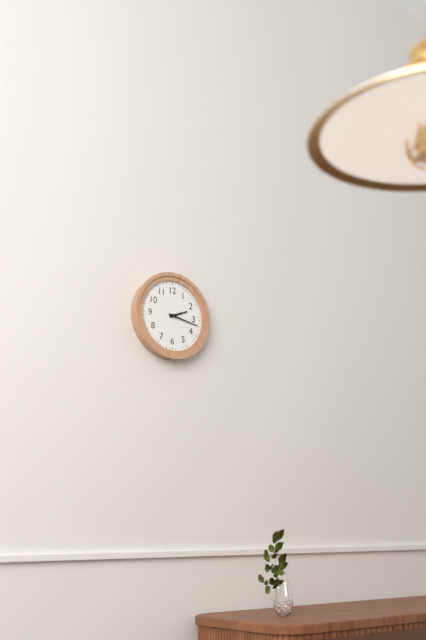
2:17
